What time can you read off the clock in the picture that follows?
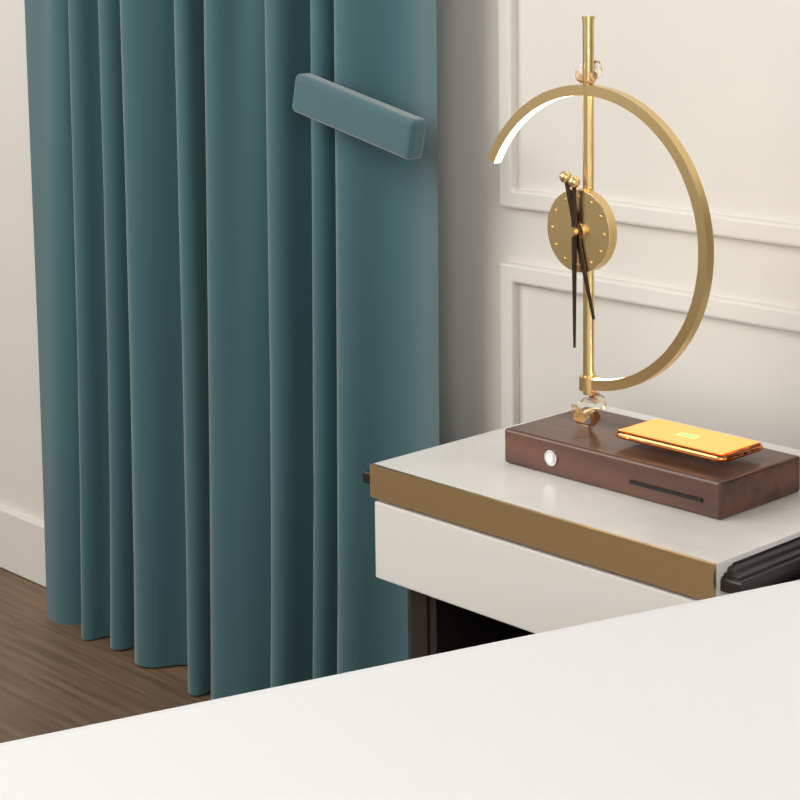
5:30
